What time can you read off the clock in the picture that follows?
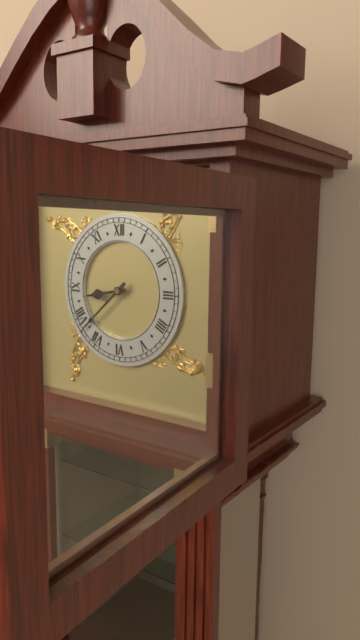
8:38
